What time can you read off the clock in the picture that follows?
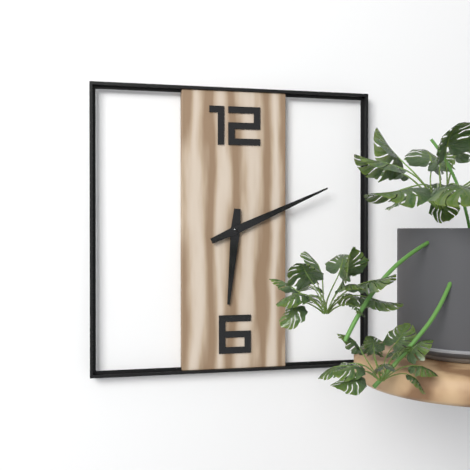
6:11
